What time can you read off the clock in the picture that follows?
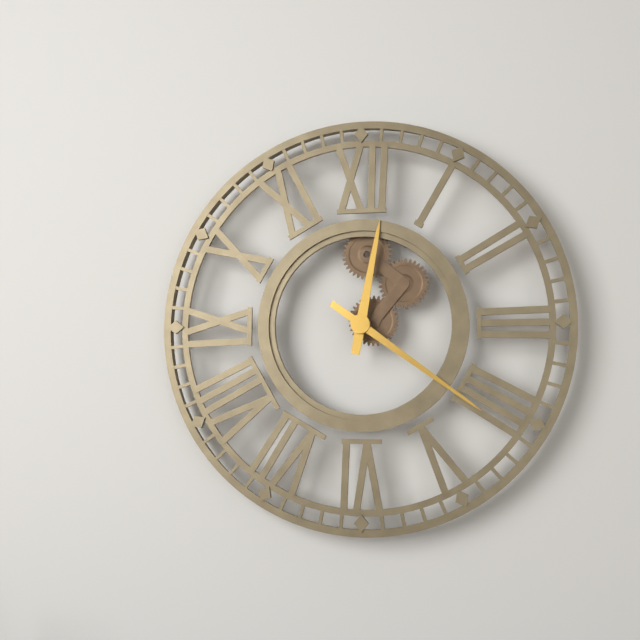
12:21
